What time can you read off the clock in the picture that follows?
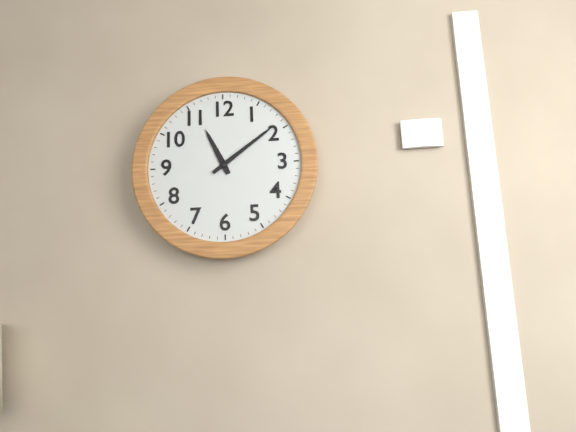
11:09
